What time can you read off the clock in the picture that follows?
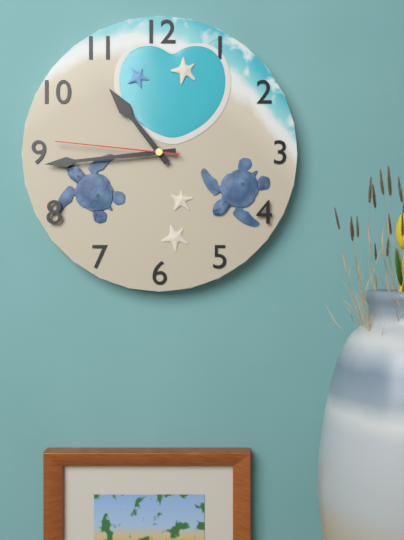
10:44:46
